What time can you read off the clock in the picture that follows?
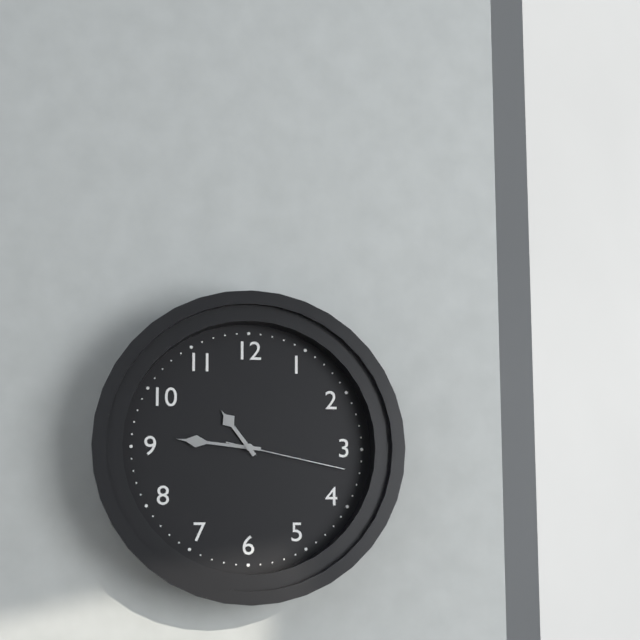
10:46:17
